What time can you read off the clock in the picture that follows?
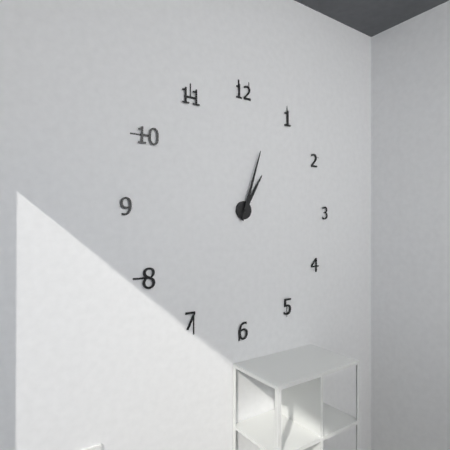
1:03
